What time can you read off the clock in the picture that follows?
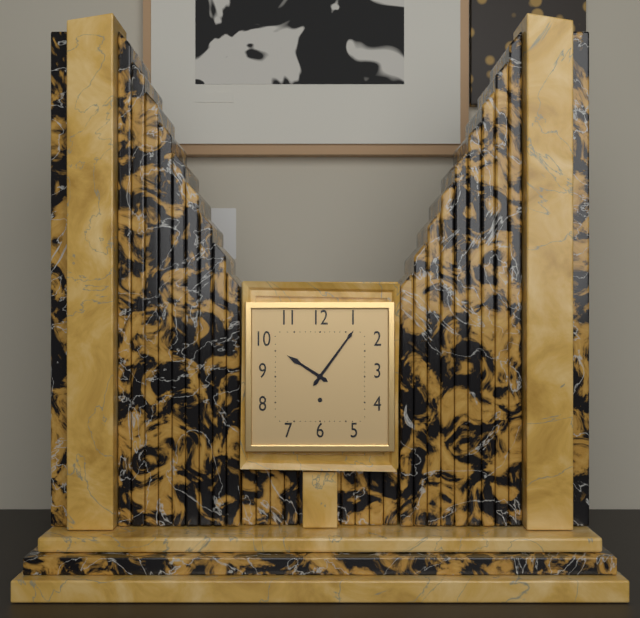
10:06
